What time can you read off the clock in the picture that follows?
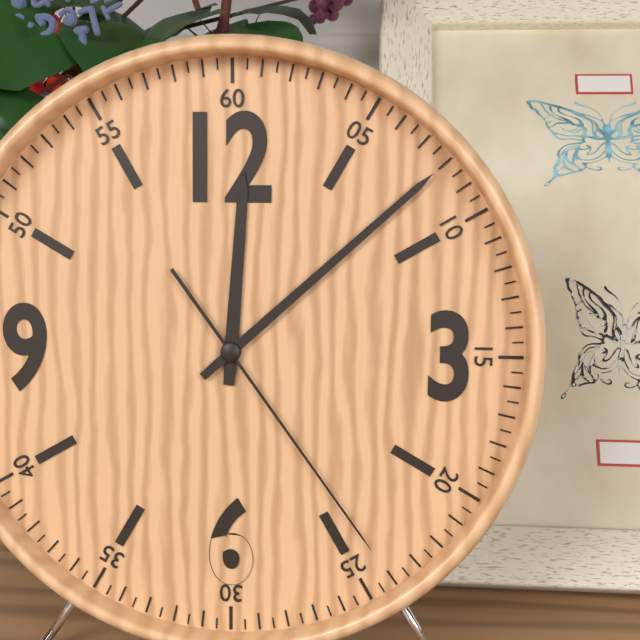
12:08:24
